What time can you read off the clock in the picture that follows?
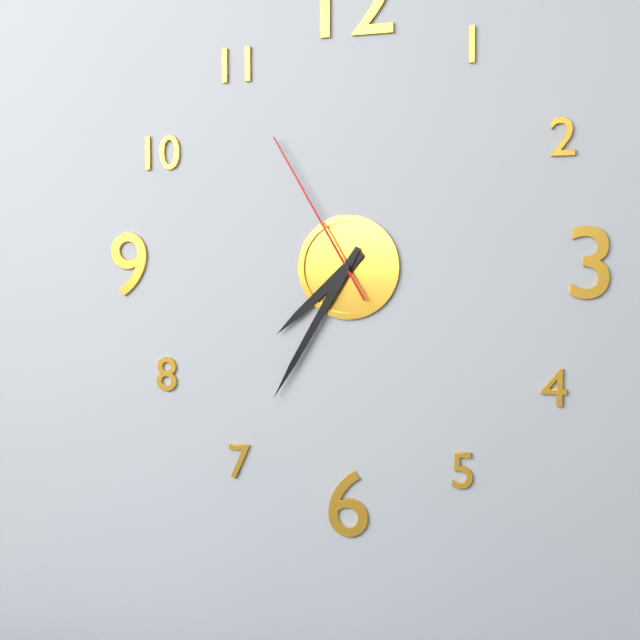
7:35:55
